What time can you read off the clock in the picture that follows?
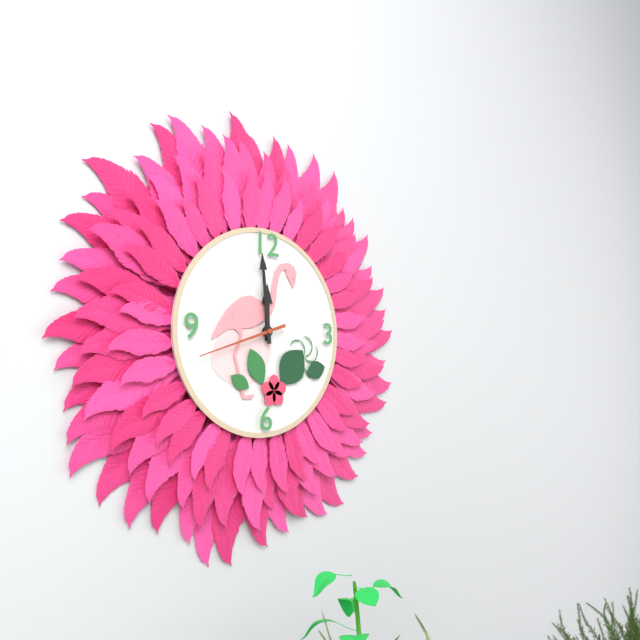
11:59:42
